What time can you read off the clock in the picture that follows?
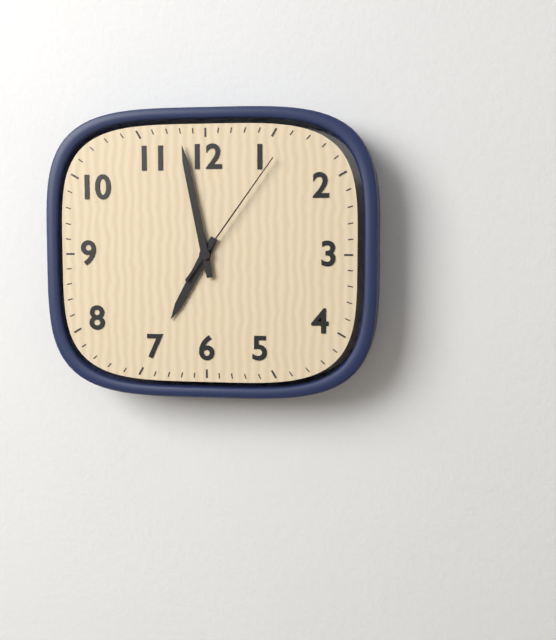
6:58:06
